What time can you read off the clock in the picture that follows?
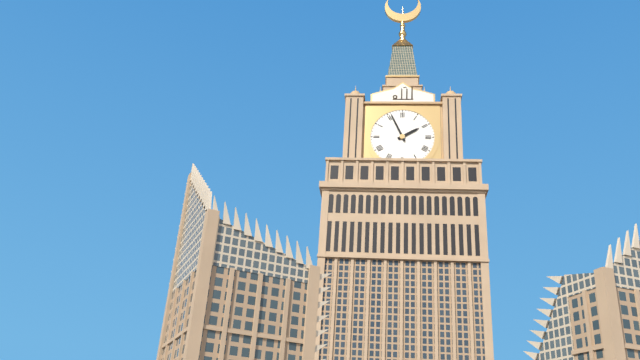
1:56
